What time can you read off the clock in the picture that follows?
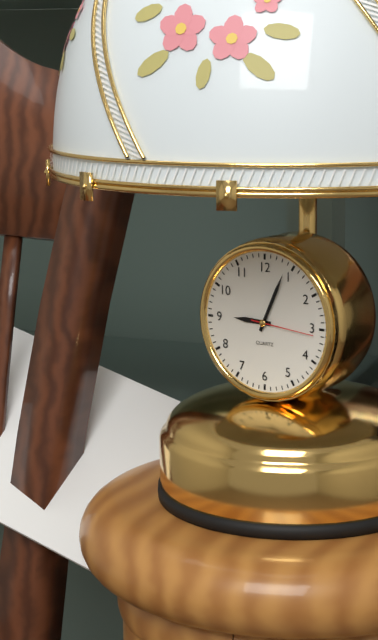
9:04:16
